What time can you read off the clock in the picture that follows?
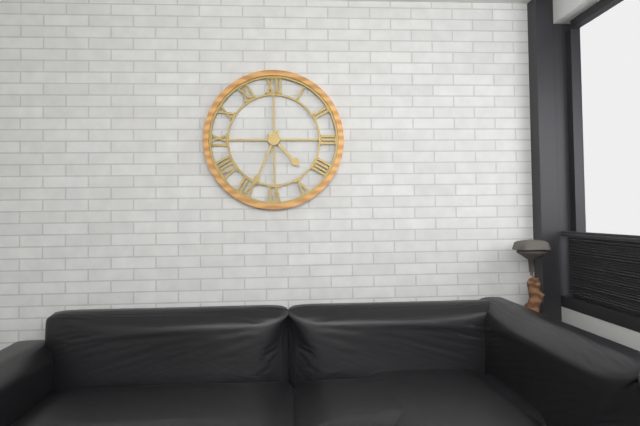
4:34
